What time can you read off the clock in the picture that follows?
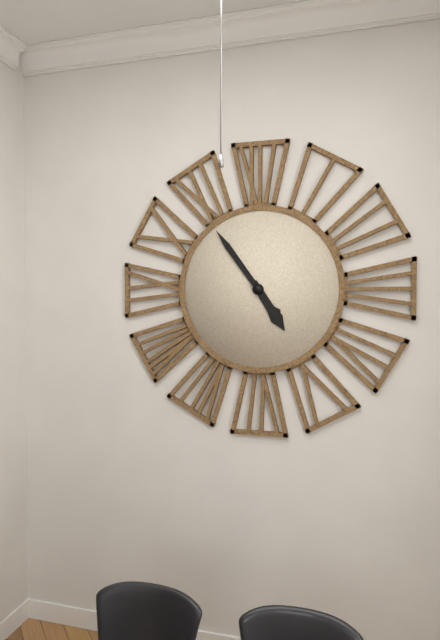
4:54
